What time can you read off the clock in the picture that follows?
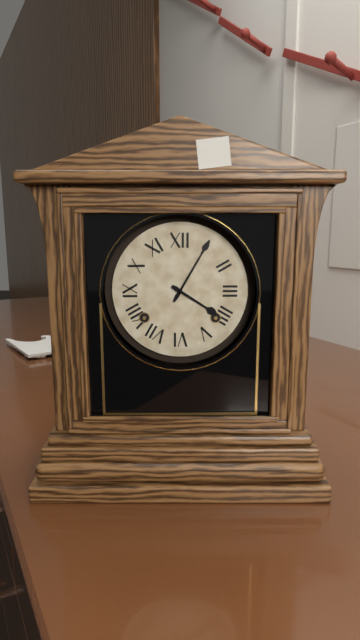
4:05
